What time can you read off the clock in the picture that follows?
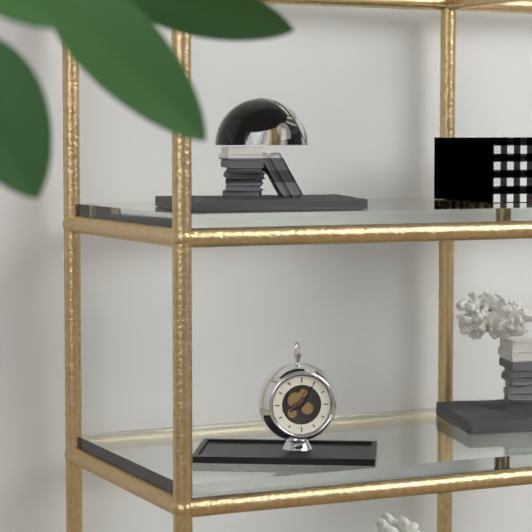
8:05
